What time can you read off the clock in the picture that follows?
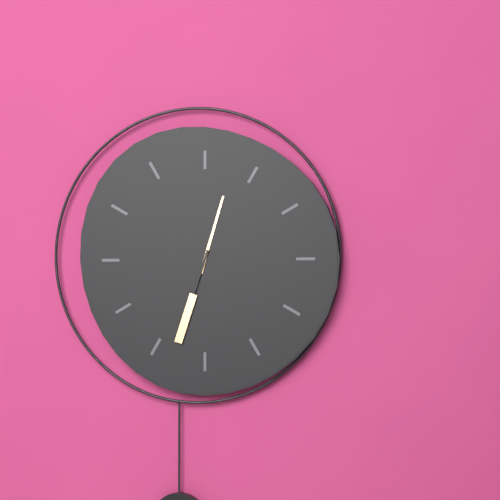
12:33
